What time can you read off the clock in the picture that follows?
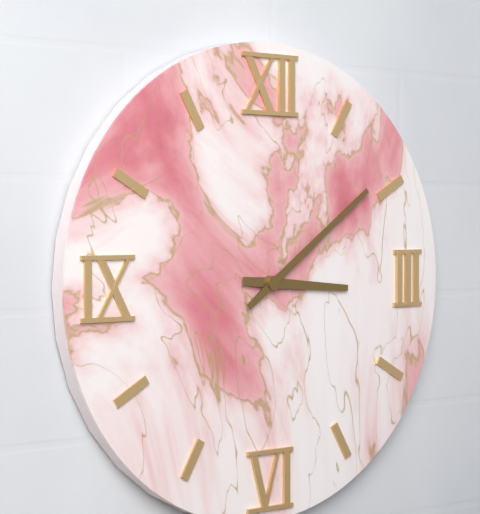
3:09
